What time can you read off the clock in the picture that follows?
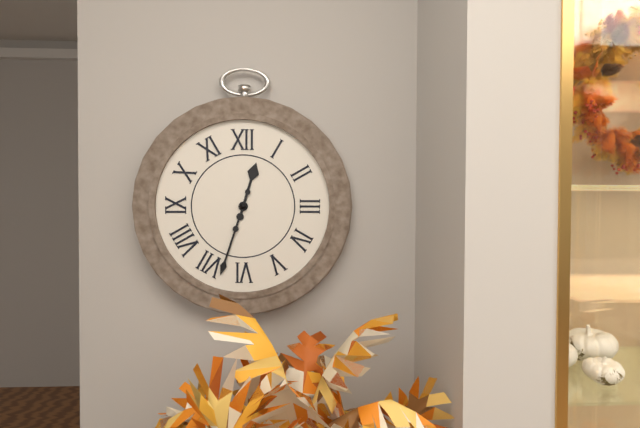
12:33
